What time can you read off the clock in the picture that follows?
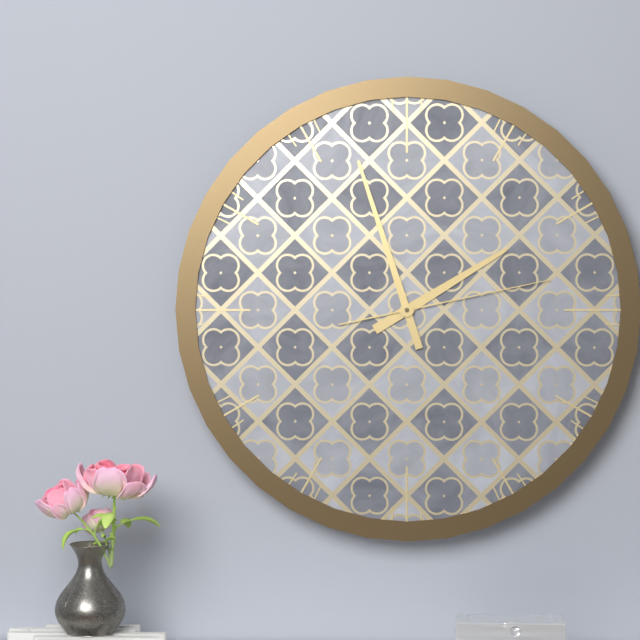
1:57:13
